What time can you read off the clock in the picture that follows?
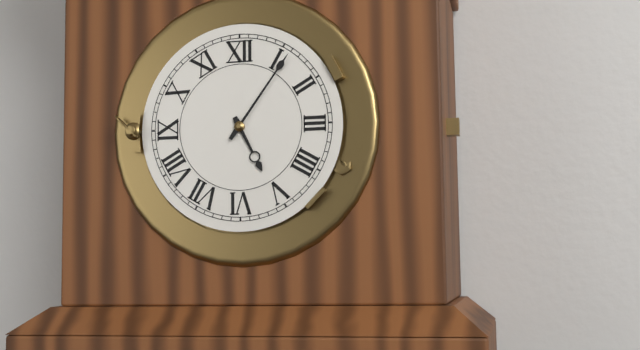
5:06
